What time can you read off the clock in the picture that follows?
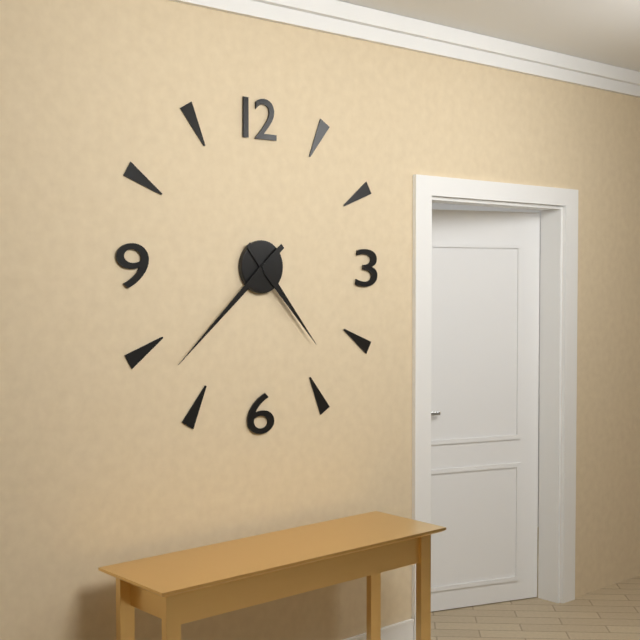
4:38
